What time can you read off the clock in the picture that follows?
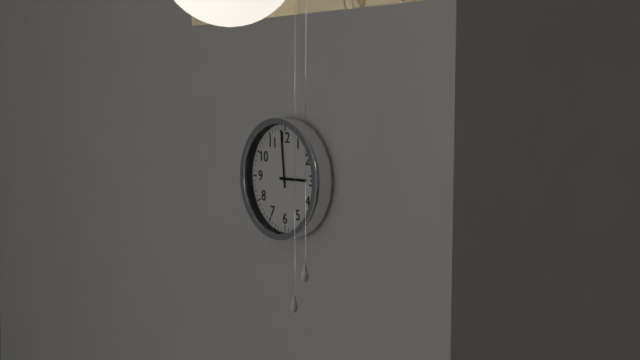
2:59
